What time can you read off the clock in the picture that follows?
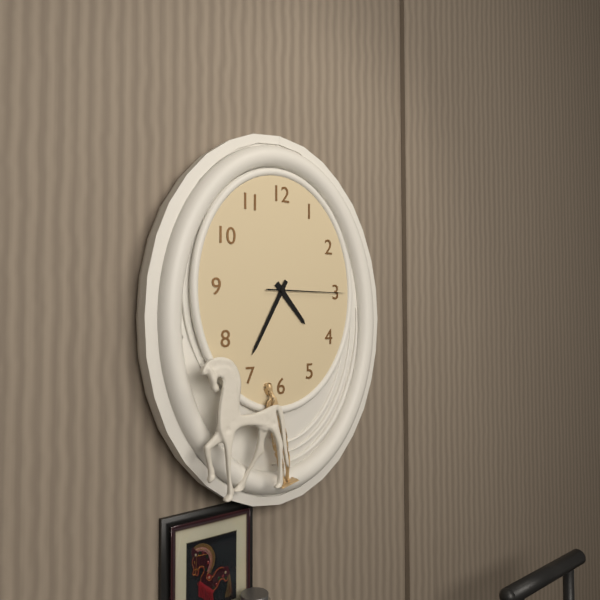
4:35:15
